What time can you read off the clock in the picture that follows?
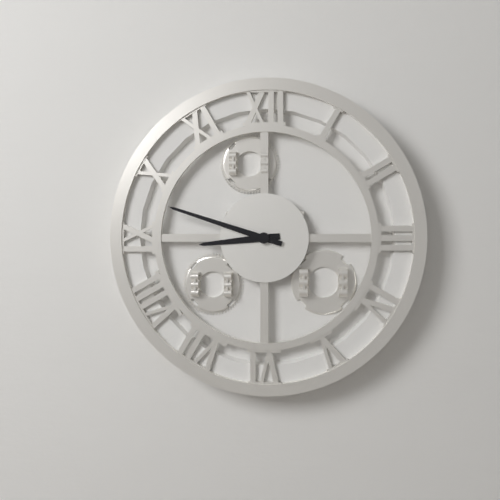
8:48
